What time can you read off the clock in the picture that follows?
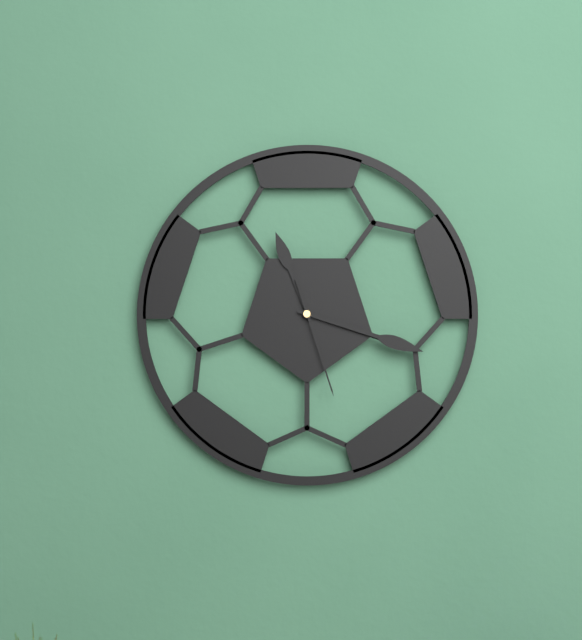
11:18:27
